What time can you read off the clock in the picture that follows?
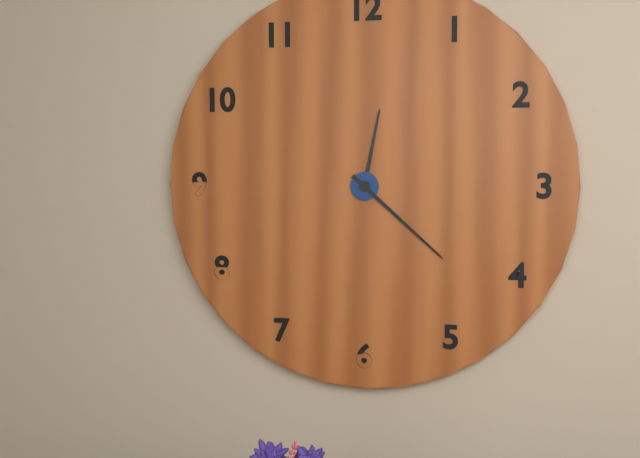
12:22
